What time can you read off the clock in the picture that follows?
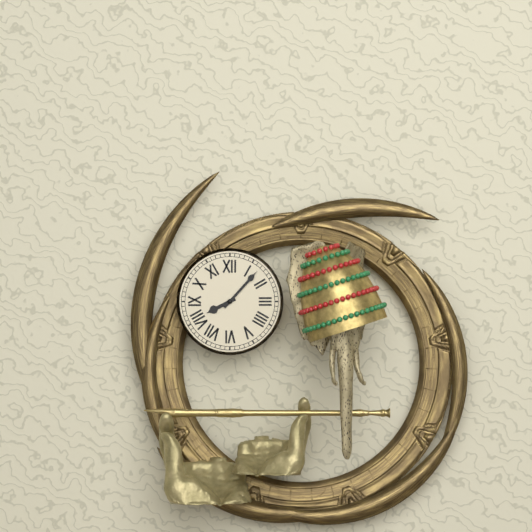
8:07
